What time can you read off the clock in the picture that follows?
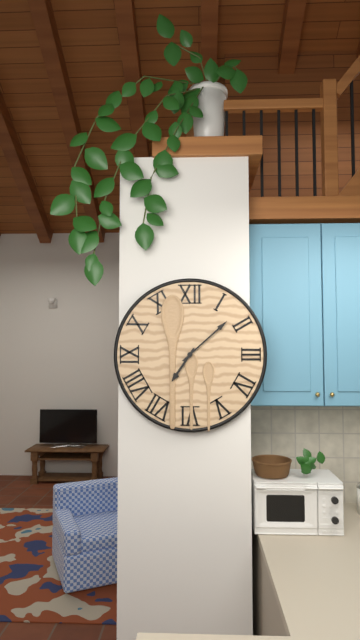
7:08
